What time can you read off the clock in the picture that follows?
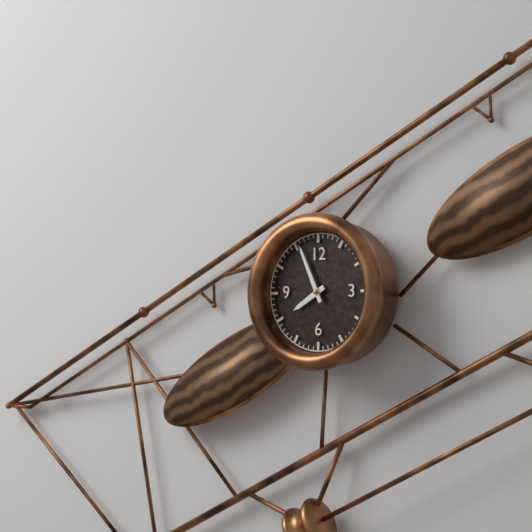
7:56
